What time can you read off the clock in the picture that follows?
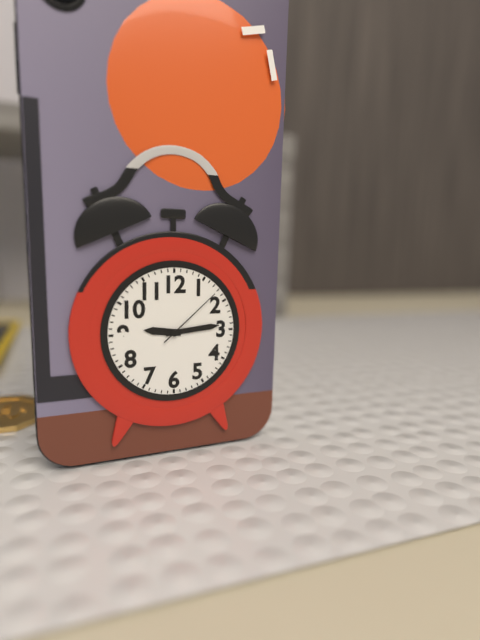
9:14:08
